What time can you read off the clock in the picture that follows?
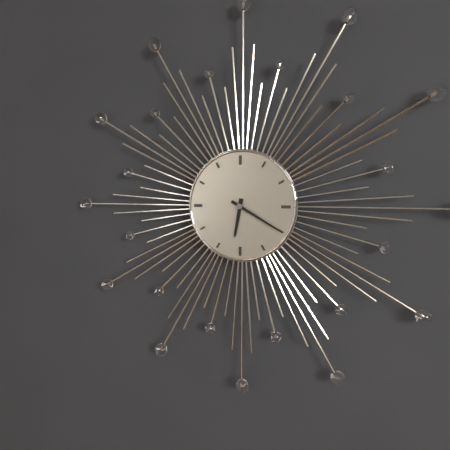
6:20
